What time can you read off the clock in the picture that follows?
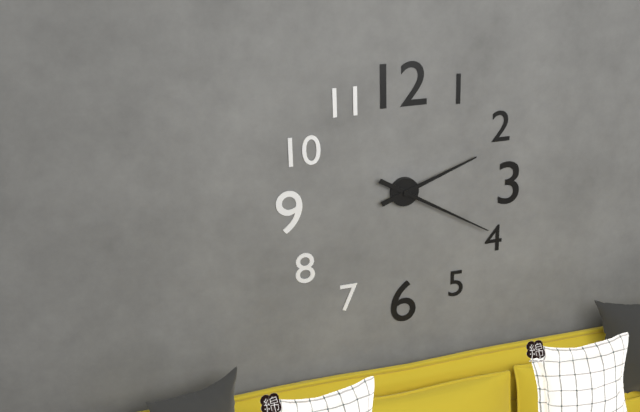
2:20
